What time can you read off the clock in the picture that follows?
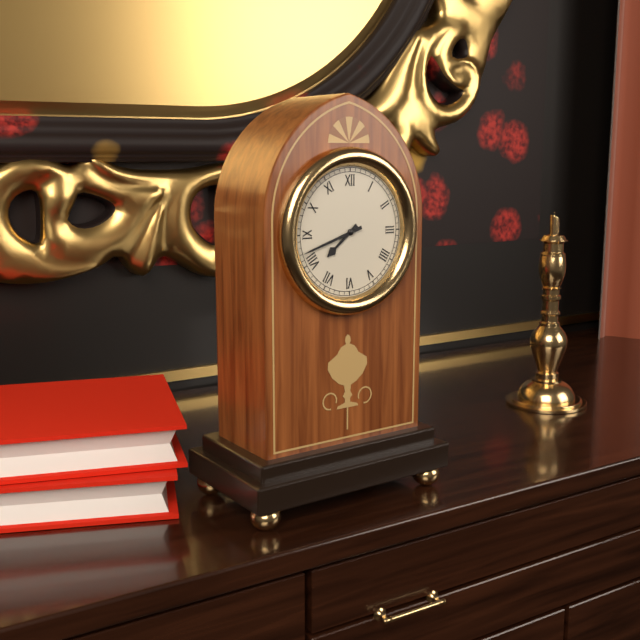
7:42
